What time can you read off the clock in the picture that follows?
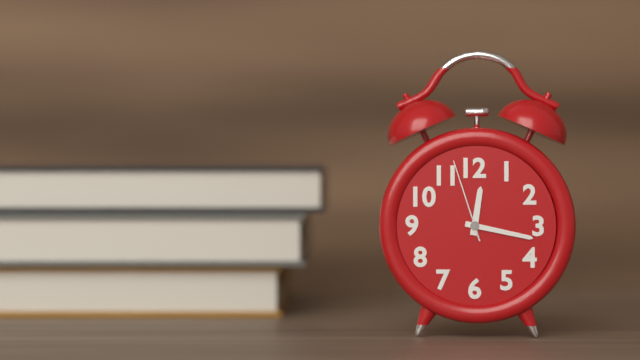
12:17:57
